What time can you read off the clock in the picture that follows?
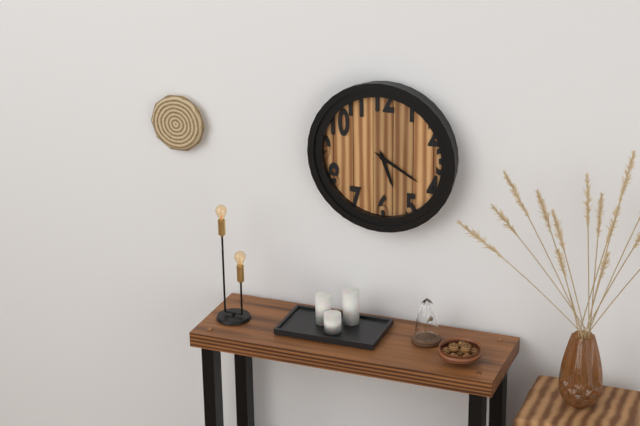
5:20
